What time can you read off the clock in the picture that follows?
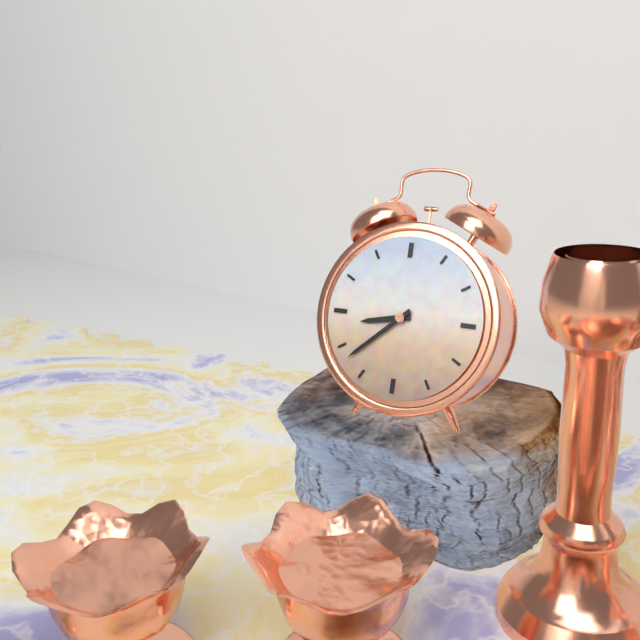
8:38
